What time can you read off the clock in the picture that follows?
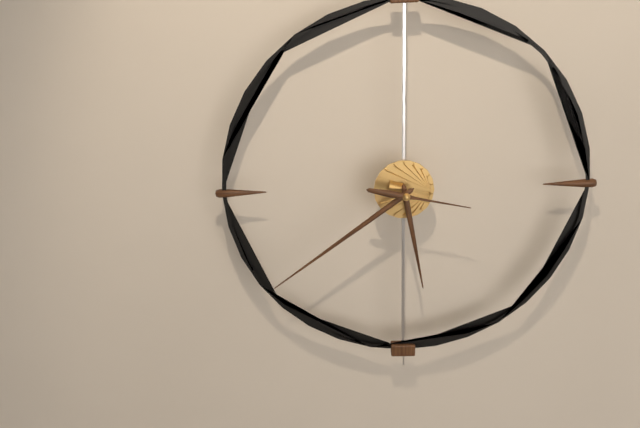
5:39:17
